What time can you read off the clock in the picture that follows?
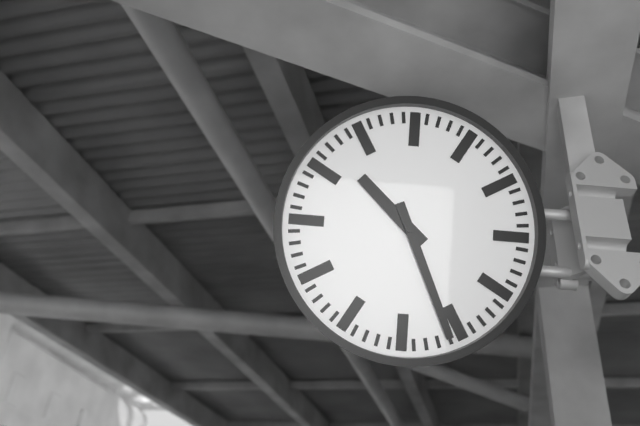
10:26
